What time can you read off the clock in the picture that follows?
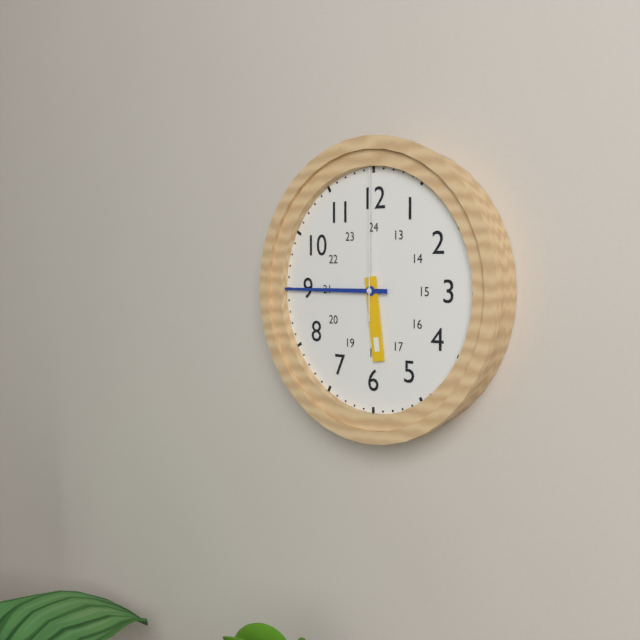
5:45:00
